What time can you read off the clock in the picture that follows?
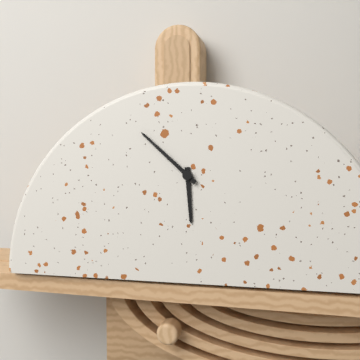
5:52
